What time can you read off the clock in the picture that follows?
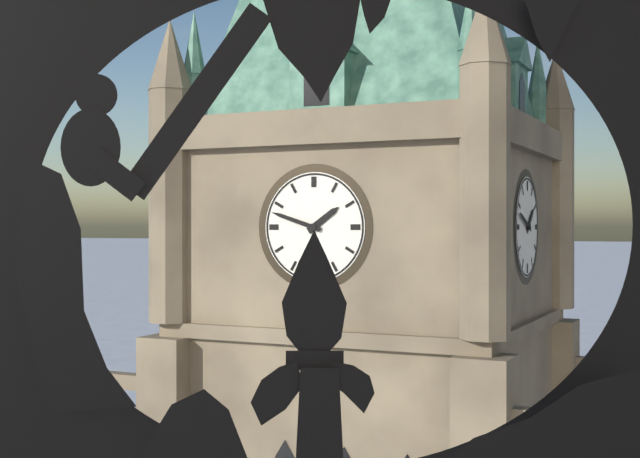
1:48
